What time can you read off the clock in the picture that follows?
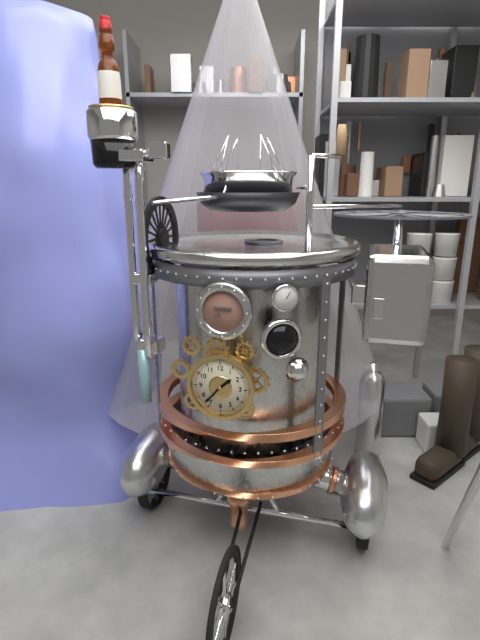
1:37
